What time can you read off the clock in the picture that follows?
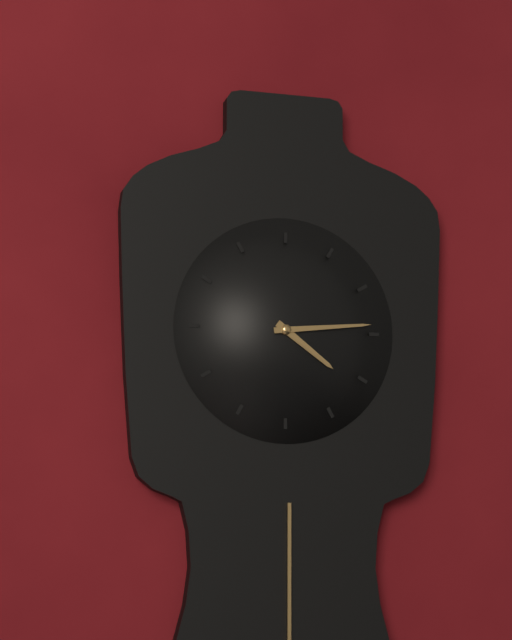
4:14
